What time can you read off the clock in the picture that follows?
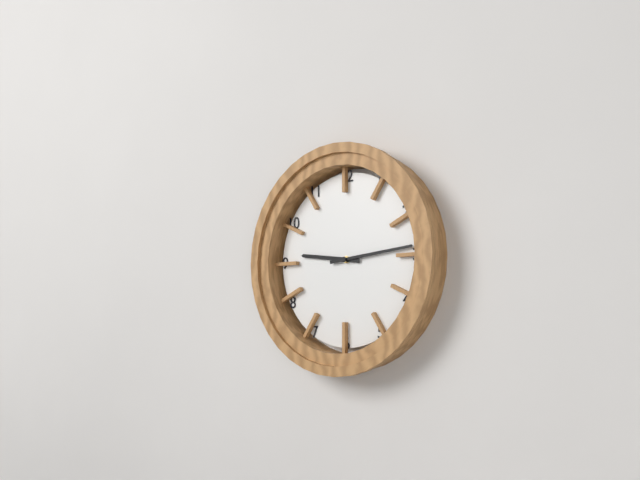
9:14
